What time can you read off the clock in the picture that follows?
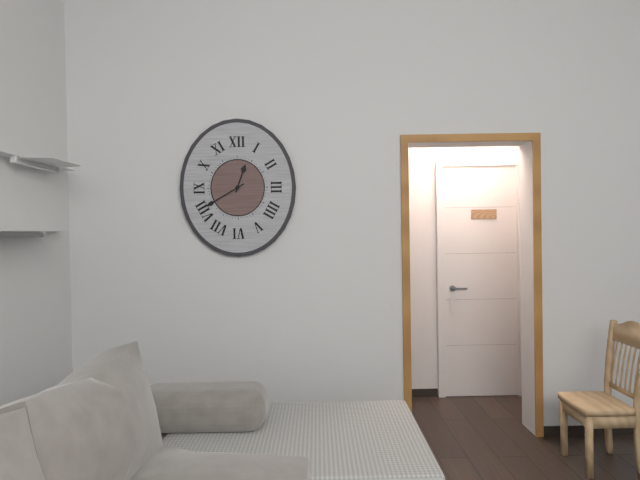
12:40
